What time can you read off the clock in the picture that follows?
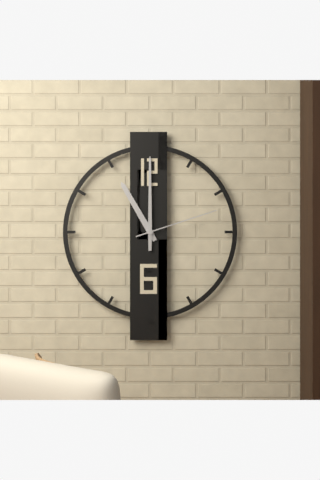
11:00:12
